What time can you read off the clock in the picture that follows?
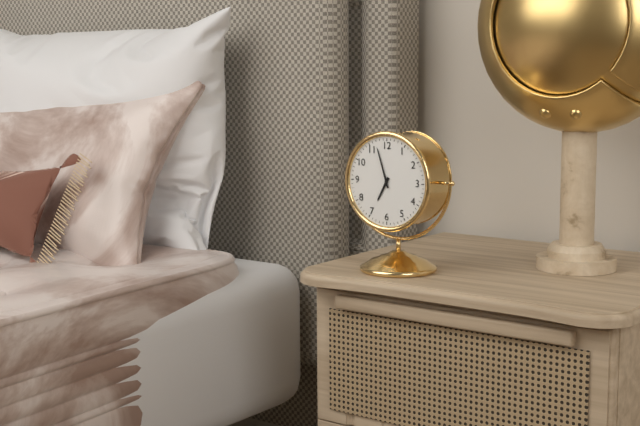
6:57
